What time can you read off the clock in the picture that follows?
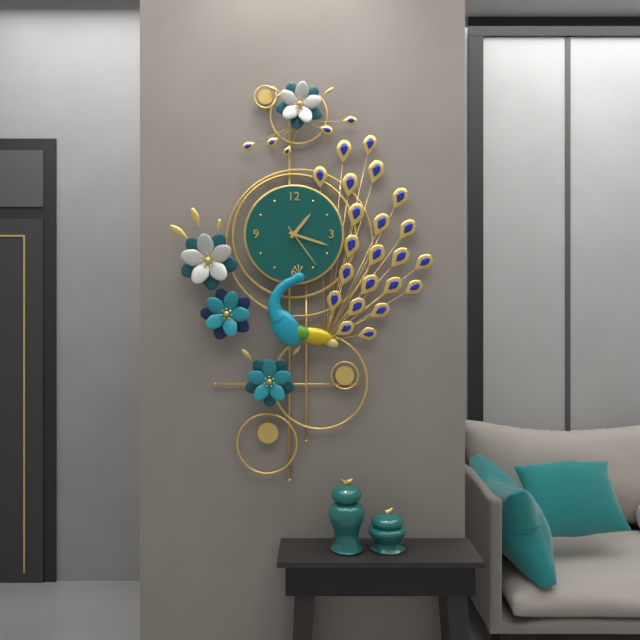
1:18:24
